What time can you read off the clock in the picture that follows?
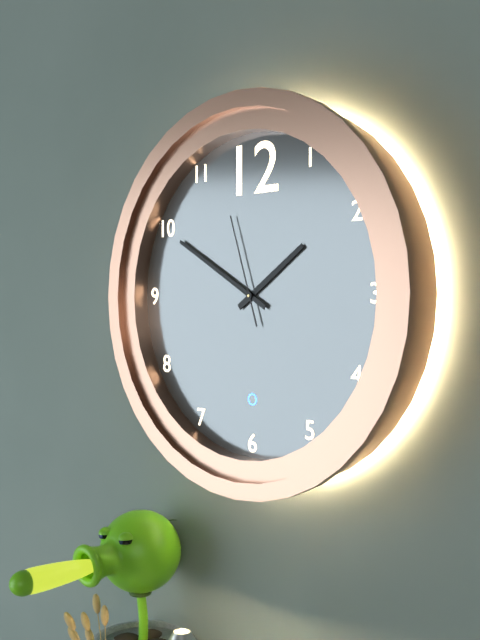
1:50:57
